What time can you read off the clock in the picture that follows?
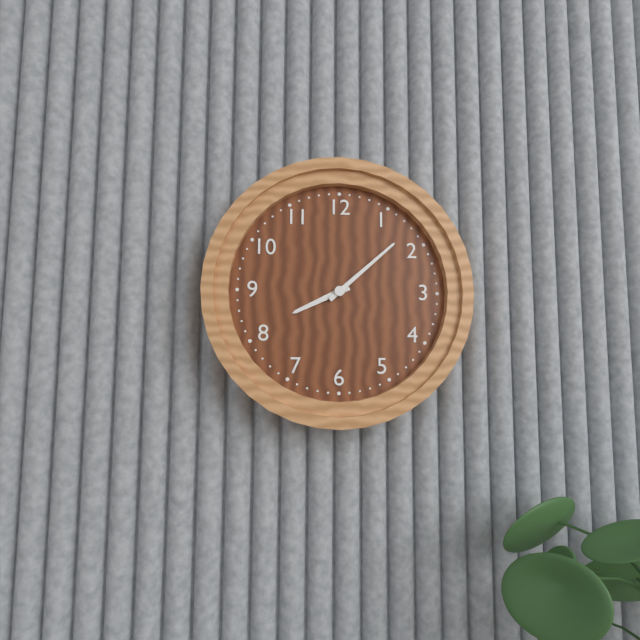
8:08
